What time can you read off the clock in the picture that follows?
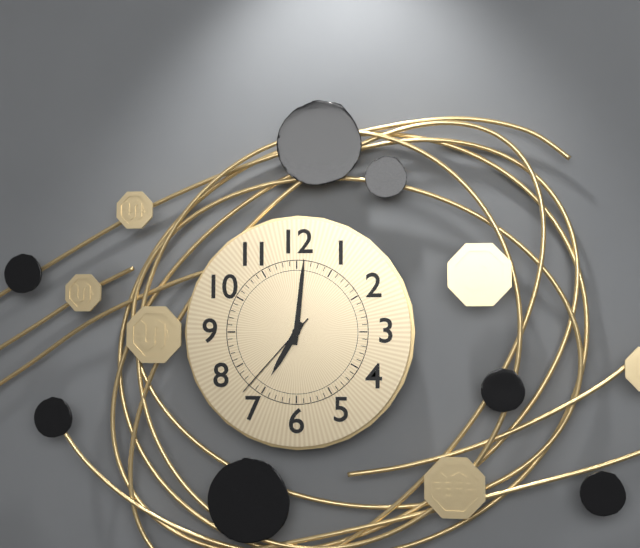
7:01:37
